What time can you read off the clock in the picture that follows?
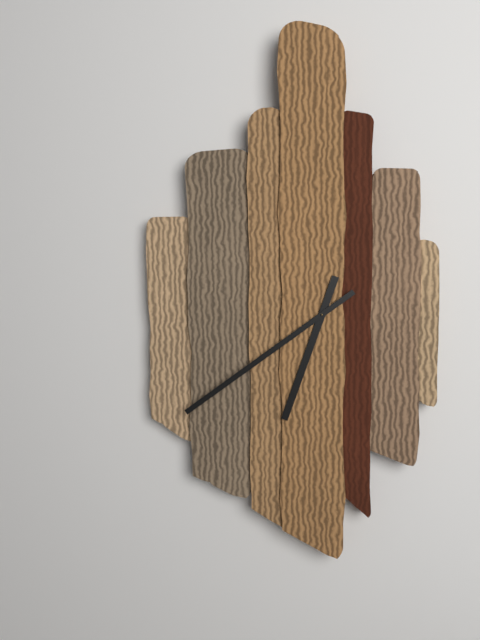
6:39
